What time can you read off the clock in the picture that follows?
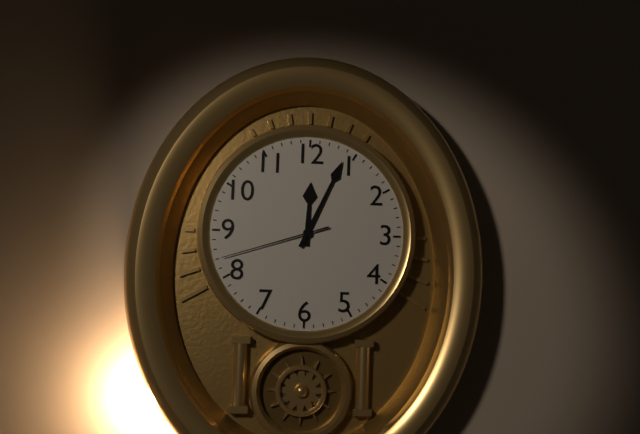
12:04:42
